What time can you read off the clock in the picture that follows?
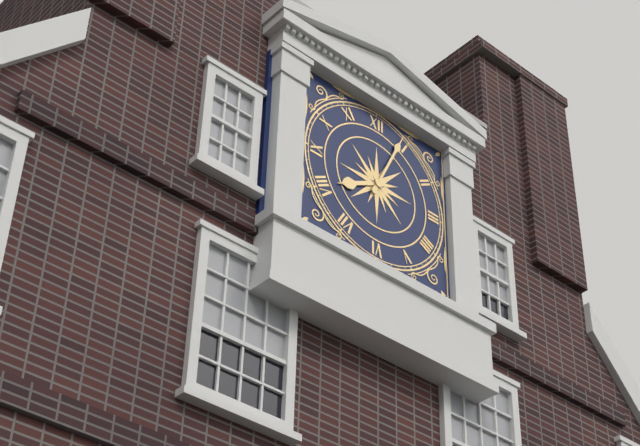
8:04
